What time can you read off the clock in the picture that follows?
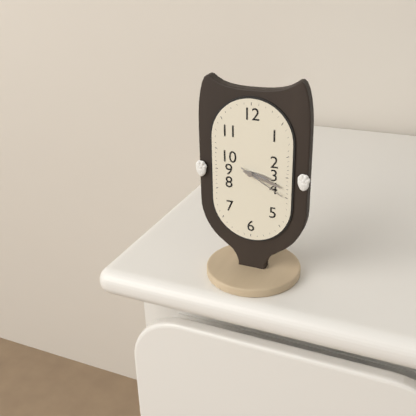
3:18
